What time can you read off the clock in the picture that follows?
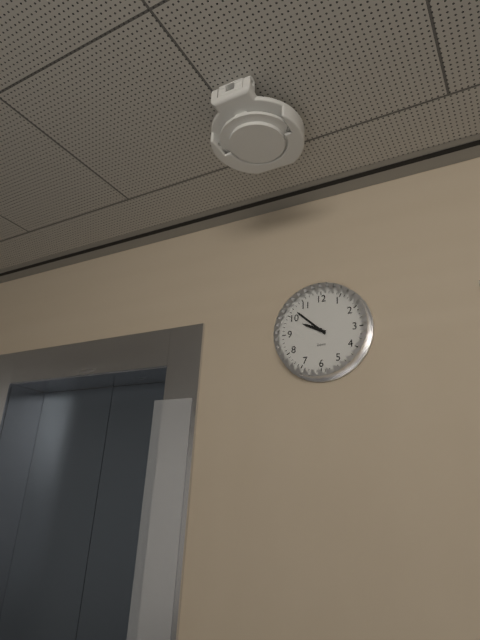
9:52
